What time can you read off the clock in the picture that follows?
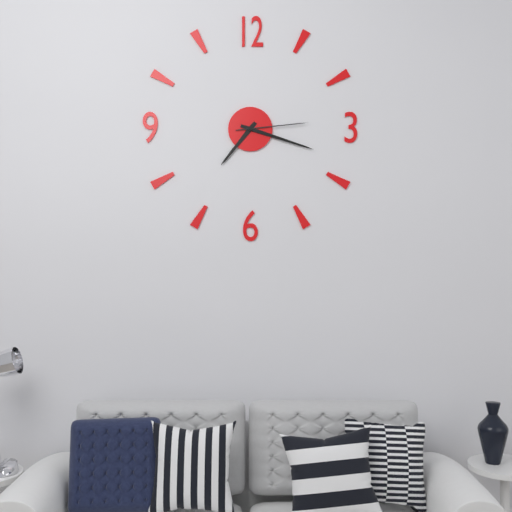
7:18:14
